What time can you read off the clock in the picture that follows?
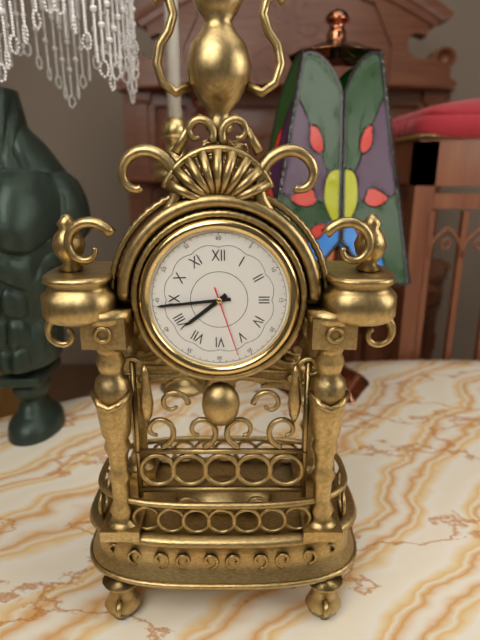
7:44:27
